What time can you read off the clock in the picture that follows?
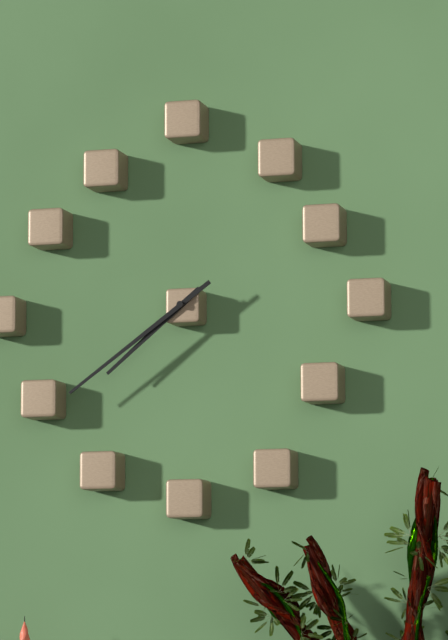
7:39
